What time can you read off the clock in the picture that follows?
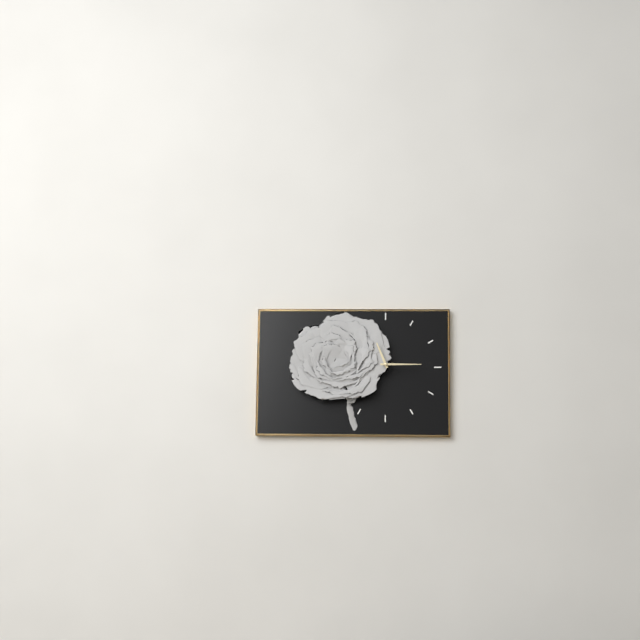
11:15
